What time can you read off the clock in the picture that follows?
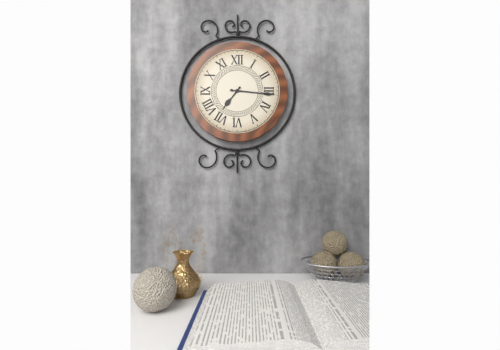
7:16
